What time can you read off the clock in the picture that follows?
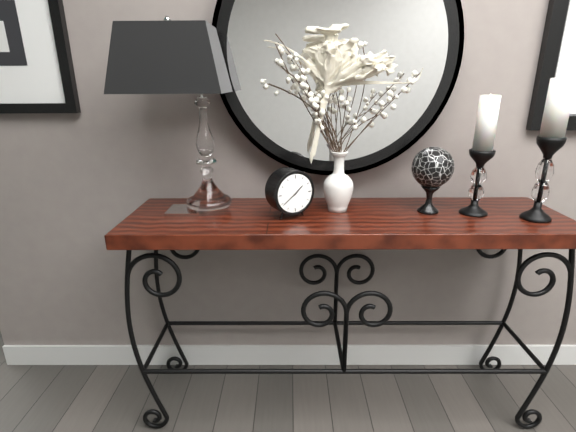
1:39
